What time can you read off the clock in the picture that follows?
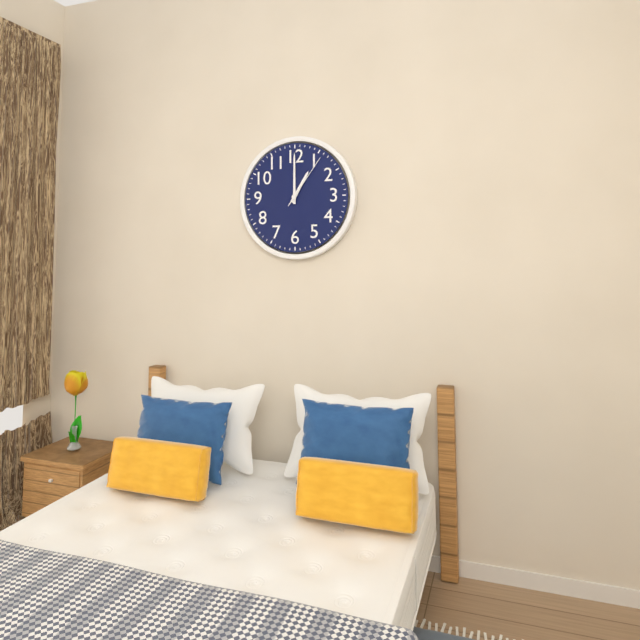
1:00:06
